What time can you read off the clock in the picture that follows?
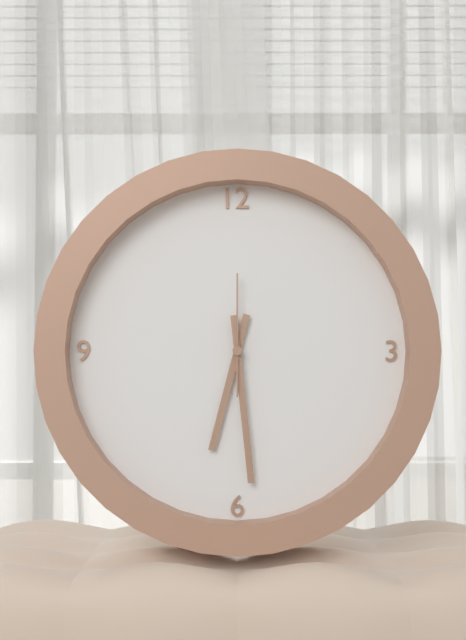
6:29:00
